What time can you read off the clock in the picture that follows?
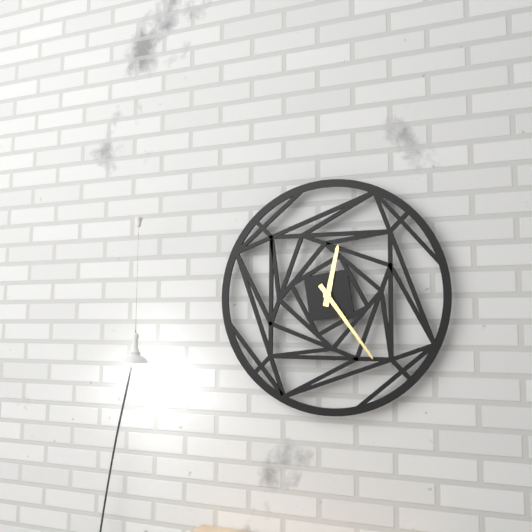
12:24
